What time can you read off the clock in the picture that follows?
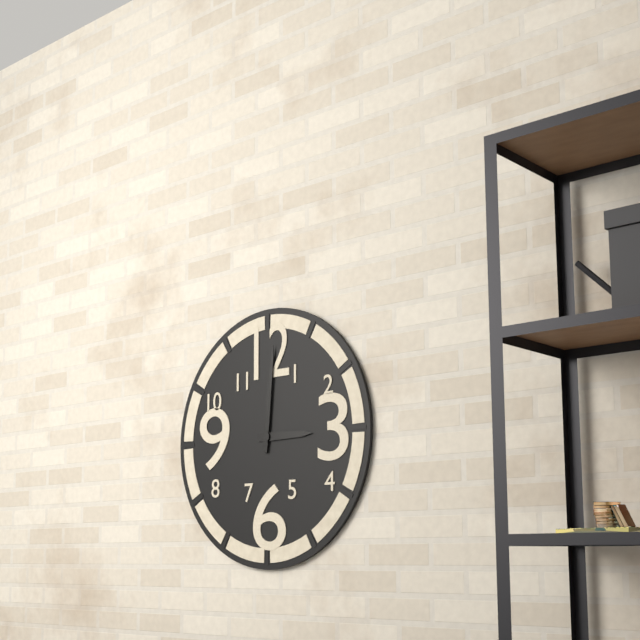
3:01
